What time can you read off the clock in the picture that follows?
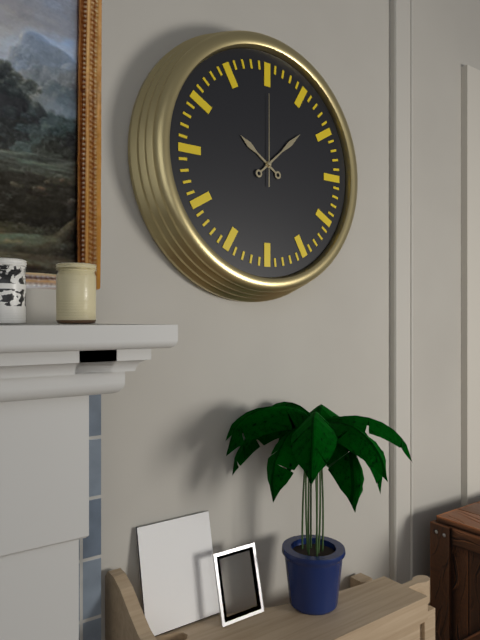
10:08:00
